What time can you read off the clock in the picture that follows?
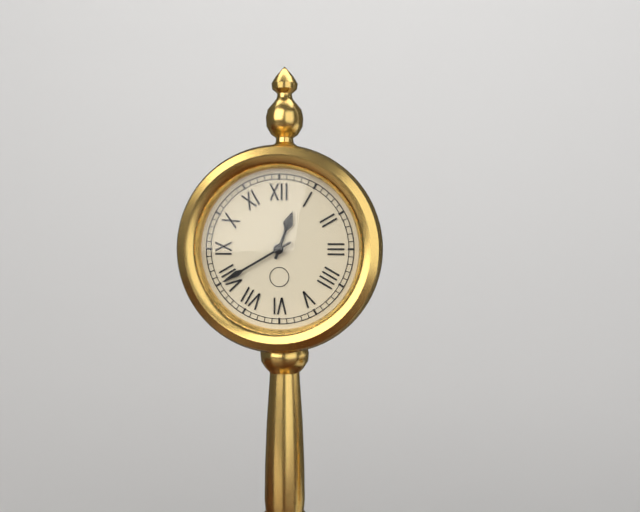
12:40
